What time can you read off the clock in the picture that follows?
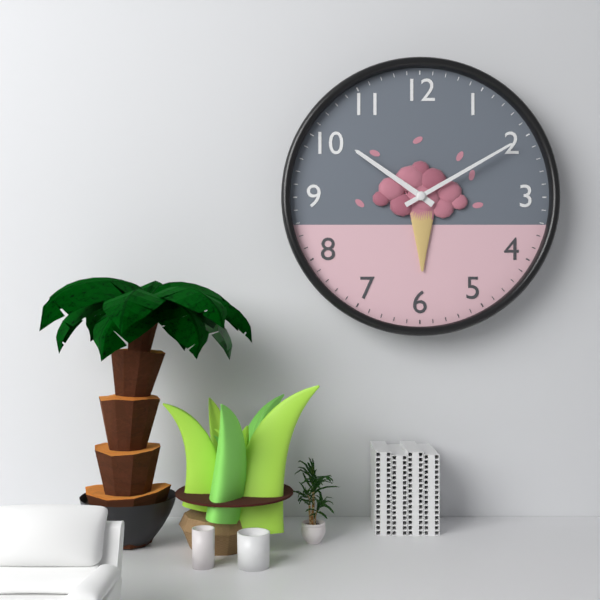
10:10
